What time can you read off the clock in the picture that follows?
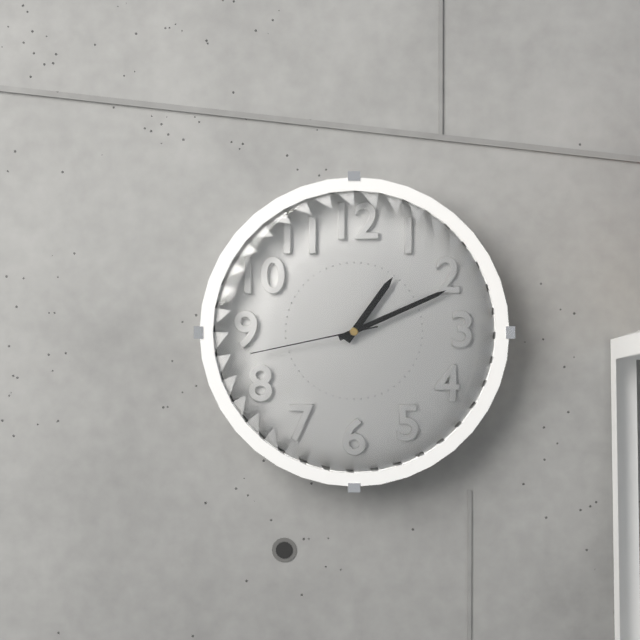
1:11:43
